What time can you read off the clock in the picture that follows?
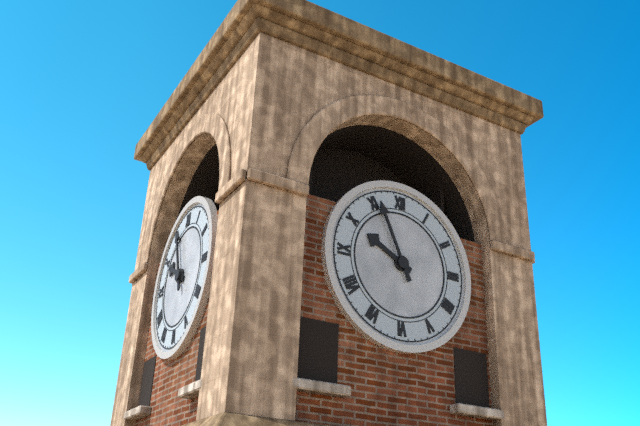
9:56
